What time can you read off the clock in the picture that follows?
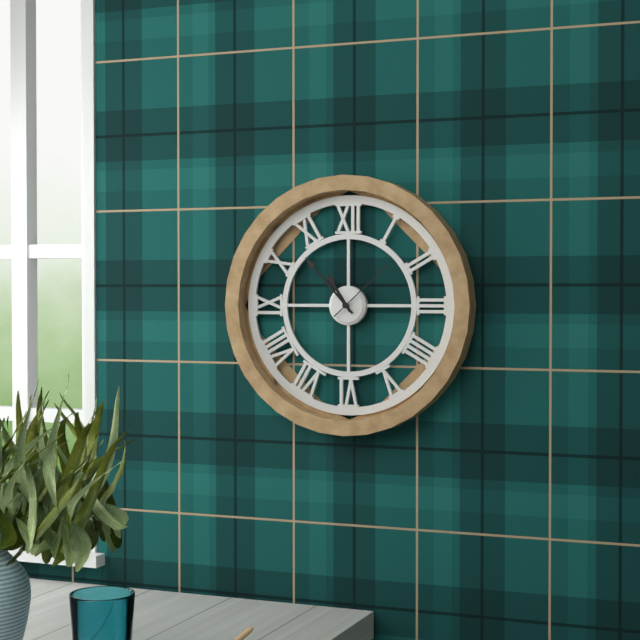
10:53:08
